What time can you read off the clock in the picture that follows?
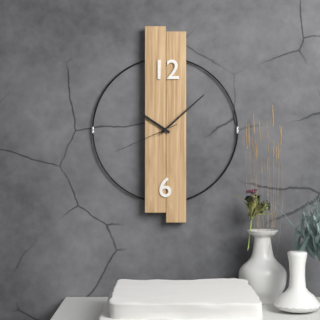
10:08:41
